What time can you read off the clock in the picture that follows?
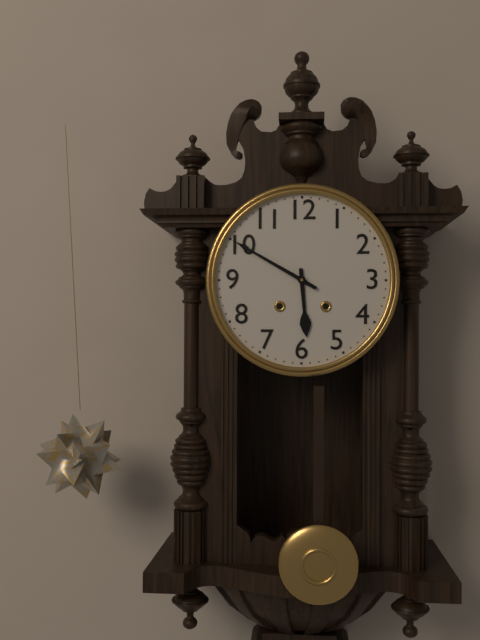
5:50
